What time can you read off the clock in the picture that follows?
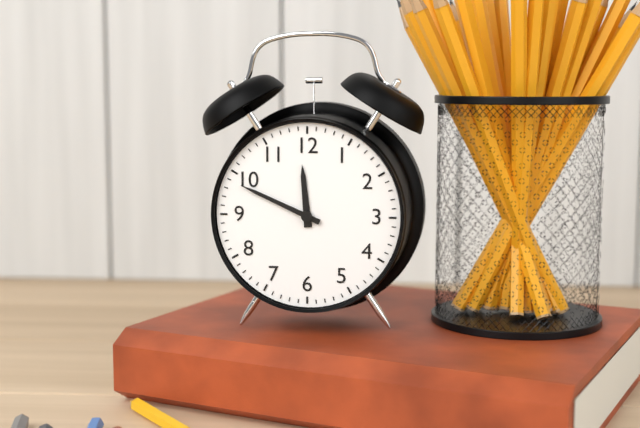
11:49
